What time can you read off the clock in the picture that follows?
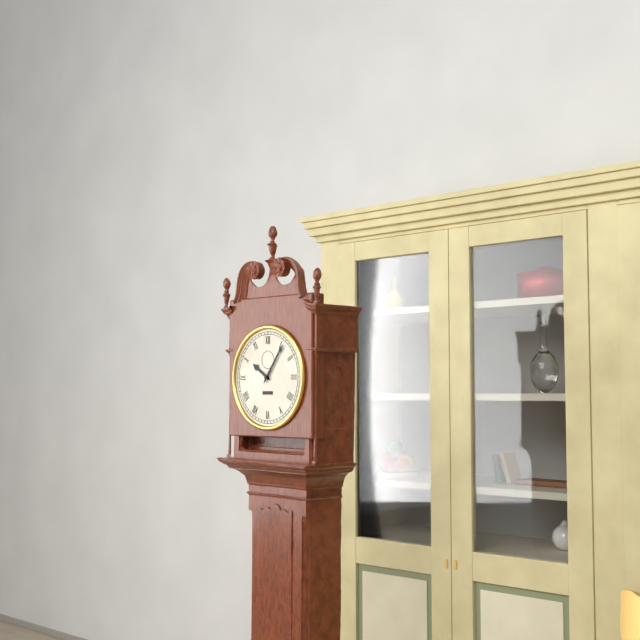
10:06
